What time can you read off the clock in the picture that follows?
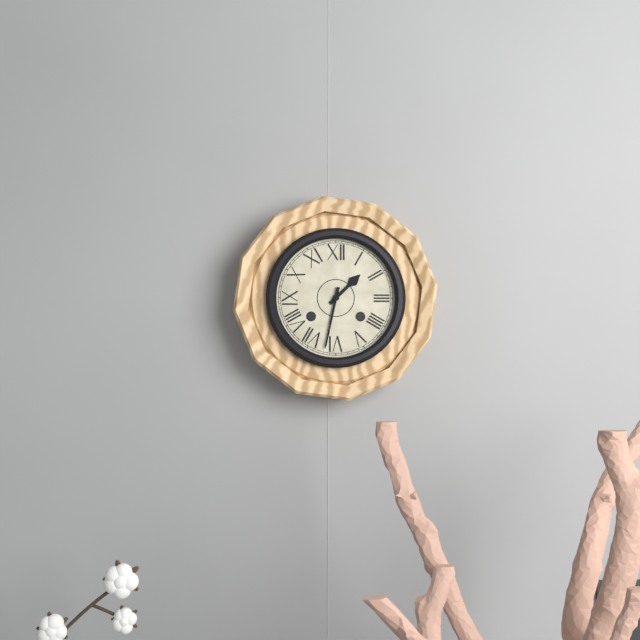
1:32
